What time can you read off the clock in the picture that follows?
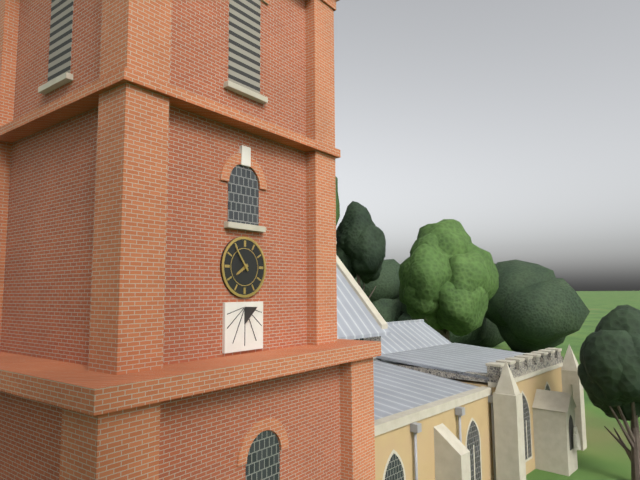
7:54
